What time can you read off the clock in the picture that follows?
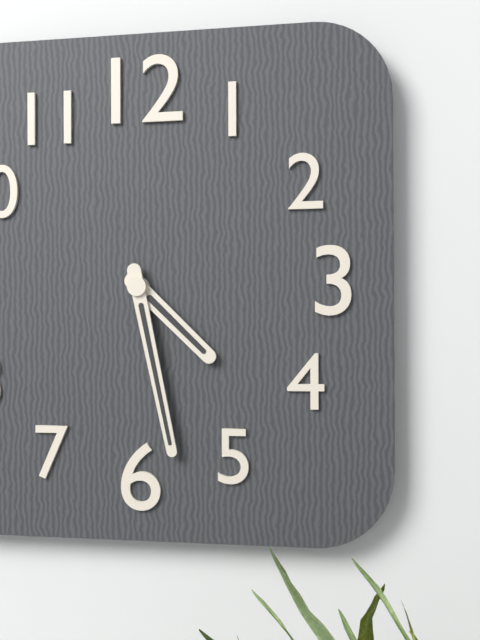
4:28
